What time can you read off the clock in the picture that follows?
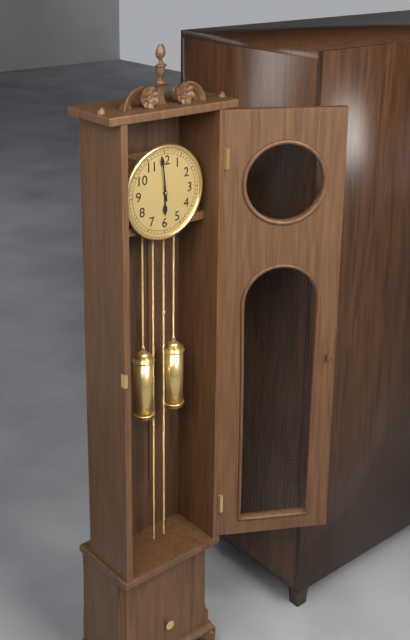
5:59
